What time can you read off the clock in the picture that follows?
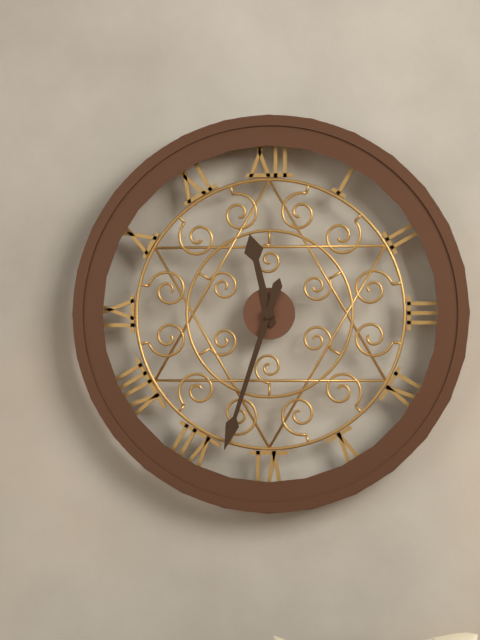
11:33
